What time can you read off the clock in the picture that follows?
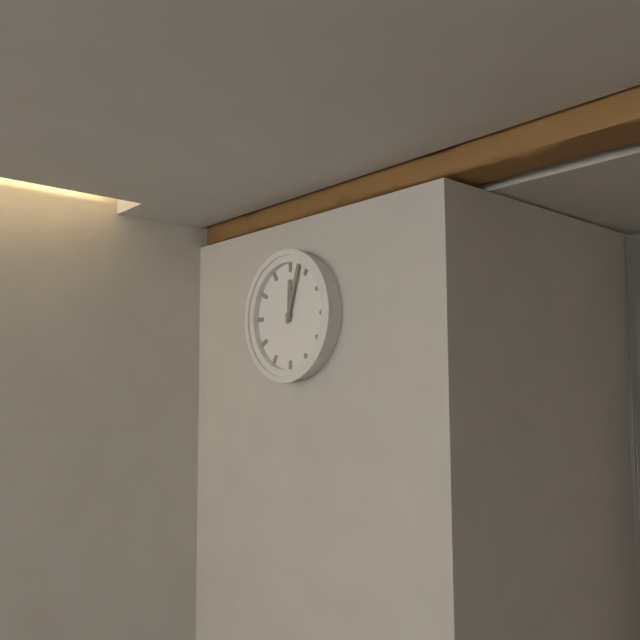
12:03
